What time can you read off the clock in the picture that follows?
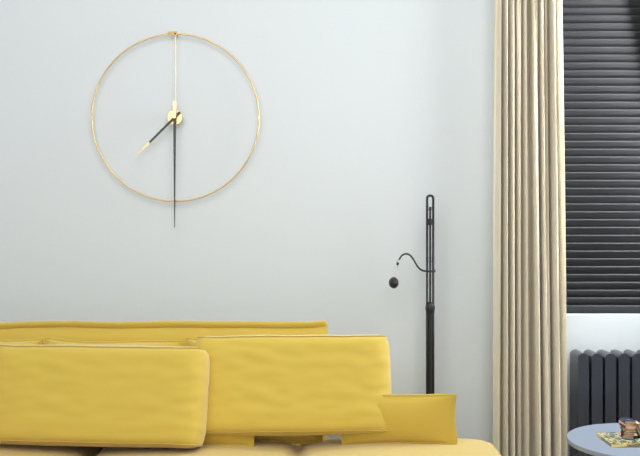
7:30
